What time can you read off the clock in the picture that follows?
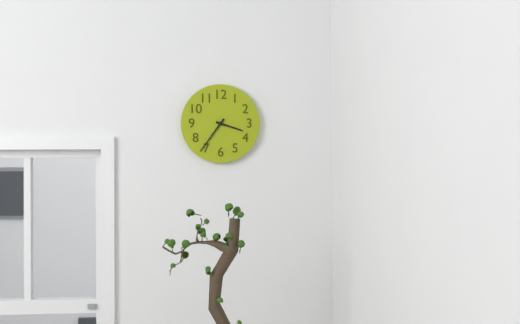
3:36
